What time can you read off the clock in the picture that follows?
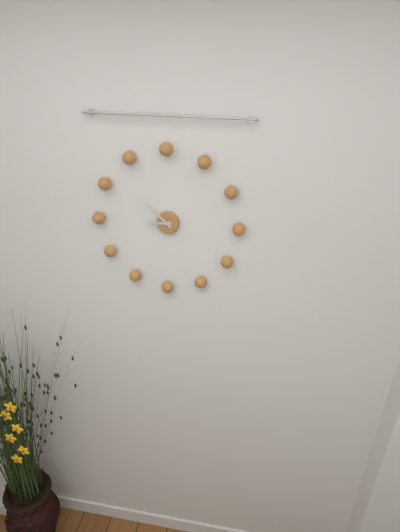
8:52
